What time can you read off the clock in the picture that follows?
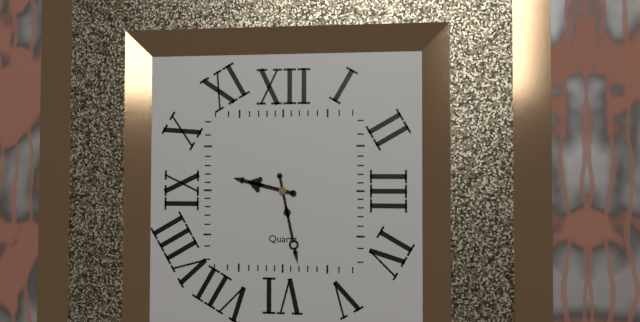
9:28
